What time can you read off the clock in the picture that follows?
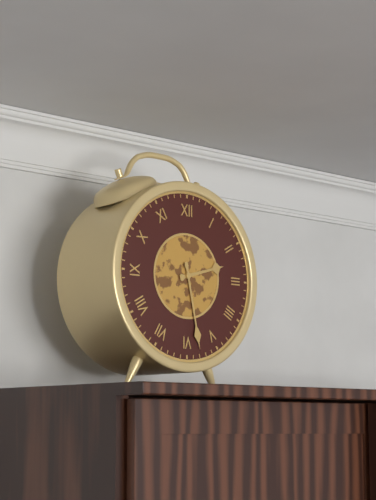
2:28
